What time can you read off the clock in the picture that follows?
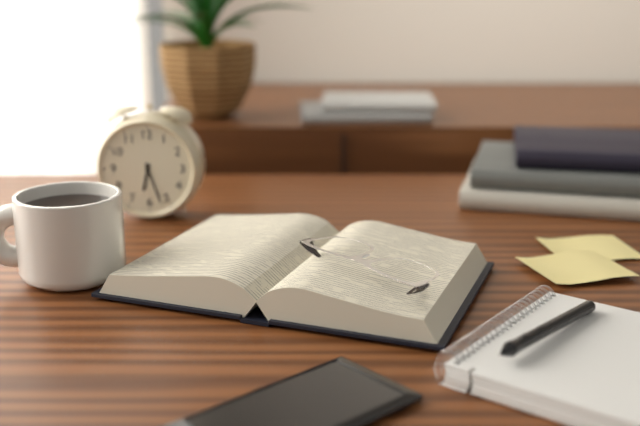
6:27
